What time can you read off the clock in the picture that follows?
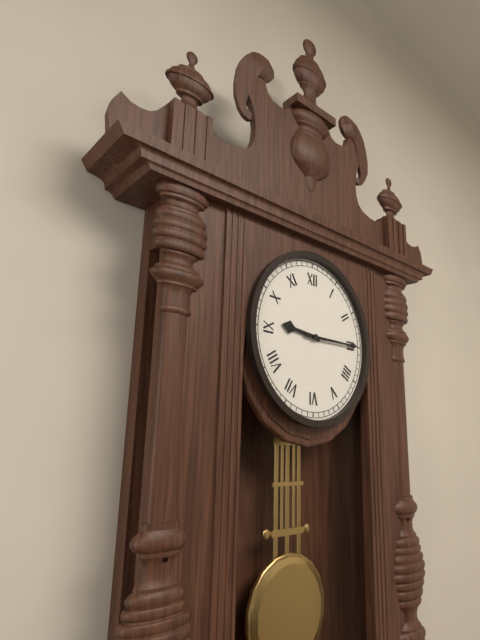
9:15
